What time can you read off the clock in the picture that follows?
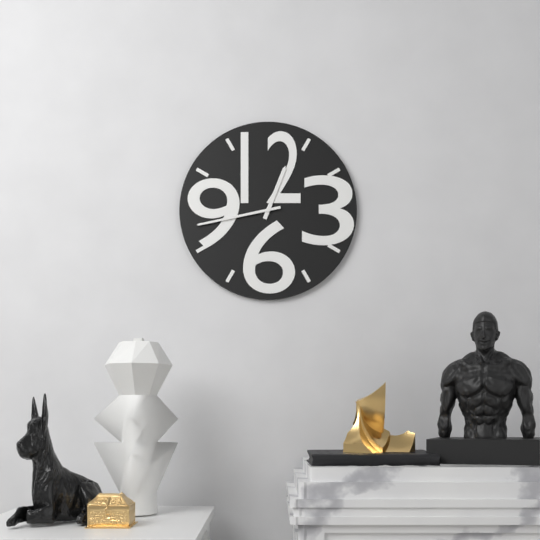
12:43
